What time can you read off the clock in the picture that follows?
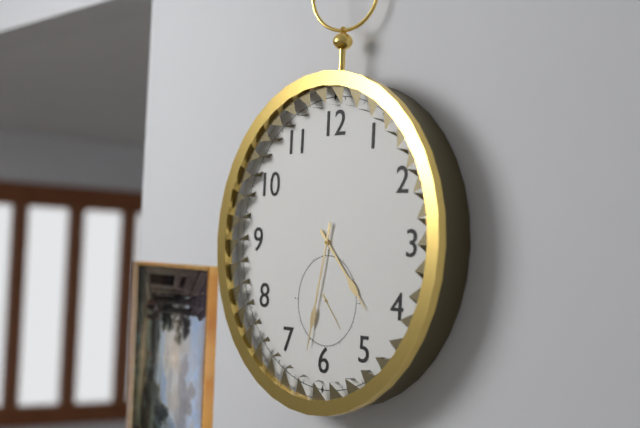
4:32
